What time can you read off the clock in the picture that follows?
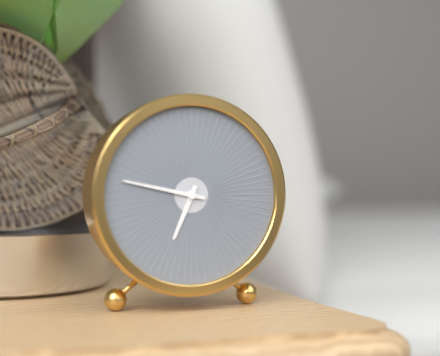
6:47
